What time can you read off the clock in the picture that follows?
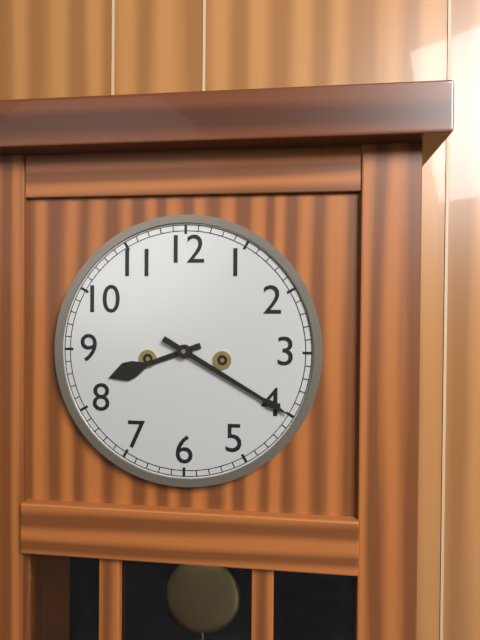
8:20
